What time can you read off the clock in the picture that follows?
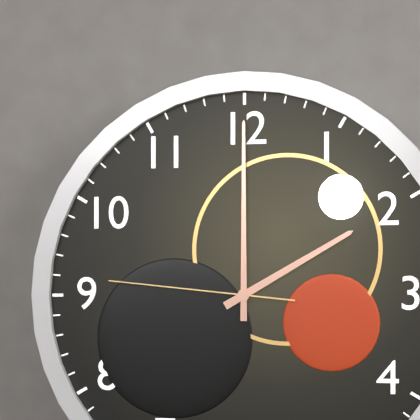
2:00:46
